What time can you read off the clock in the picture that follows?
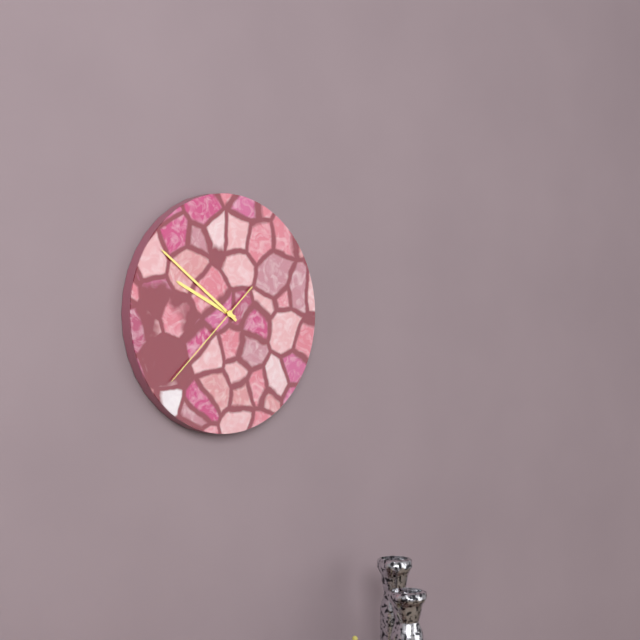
9:51:38
